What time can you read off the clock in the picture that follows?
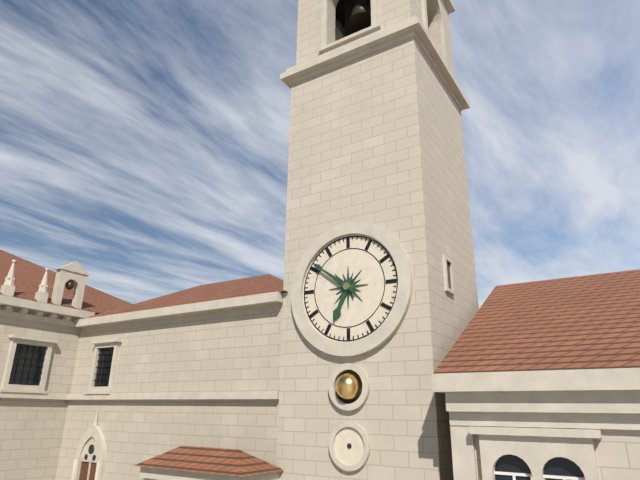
6:51
